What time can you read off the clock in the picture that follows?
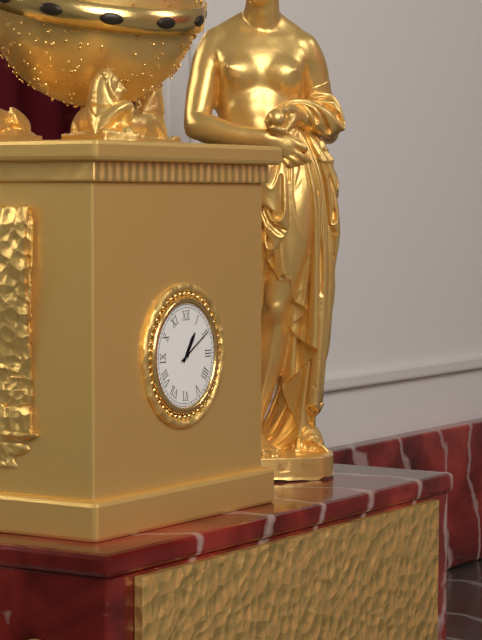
1:10
